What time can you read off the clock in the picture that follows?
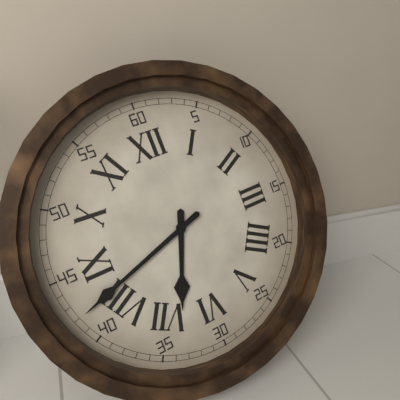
6:42
